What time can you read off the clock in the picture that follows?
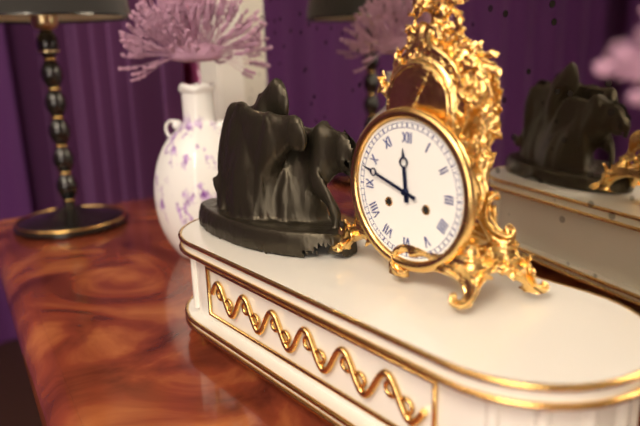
11:48
